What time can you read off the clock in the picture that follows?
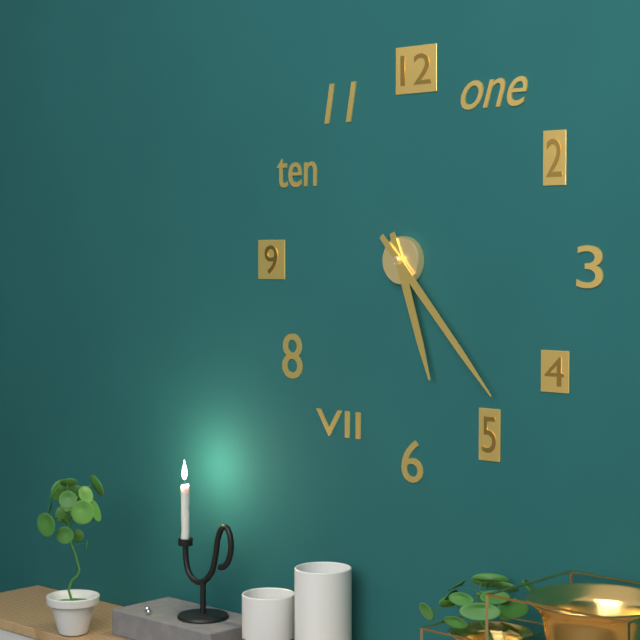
5:23
